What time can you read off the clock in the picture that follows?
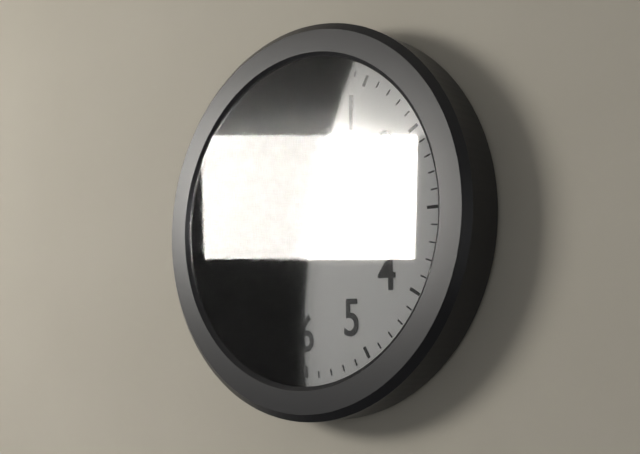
11:13
